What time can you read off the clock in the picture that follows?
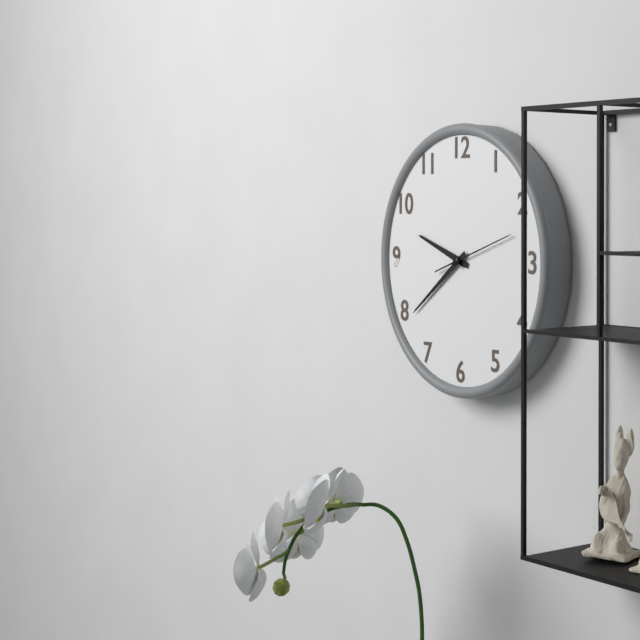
9:39:12
